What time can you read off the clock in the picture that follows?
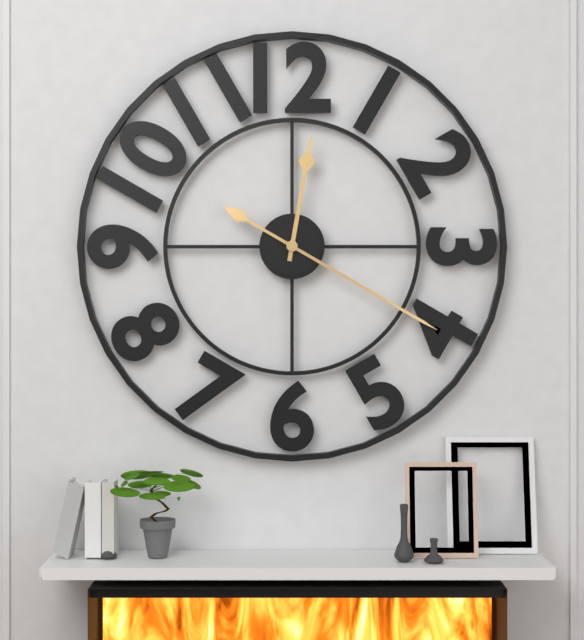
12:20
